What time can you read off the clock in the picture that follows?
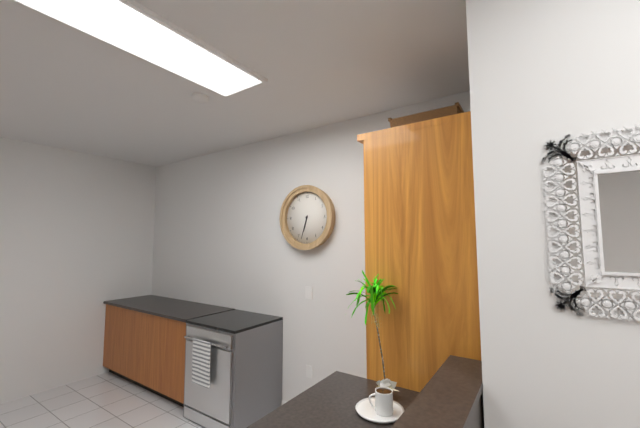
6:33
